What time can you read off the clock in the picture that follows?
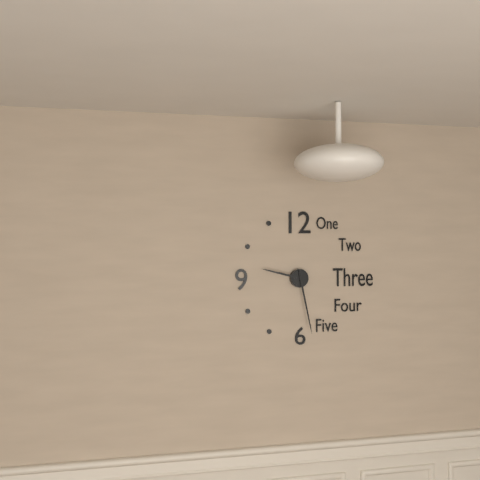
9:28
